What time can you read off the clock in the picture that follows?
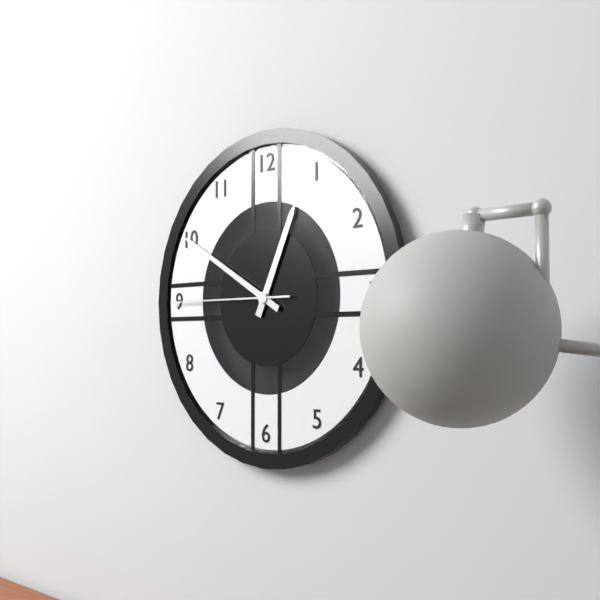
12:50:45
